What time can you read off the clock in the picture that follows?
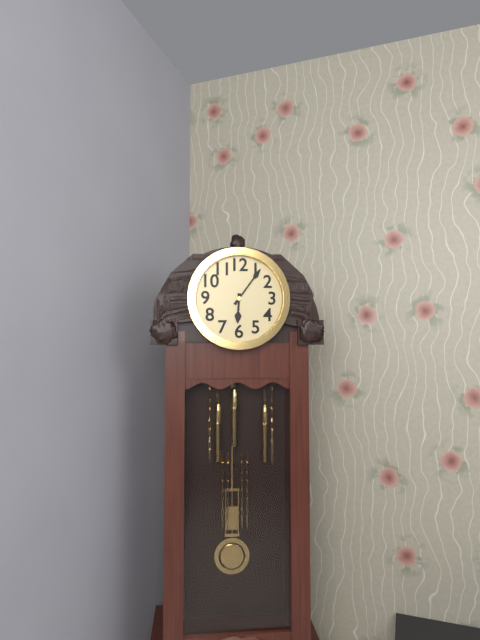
6:06
